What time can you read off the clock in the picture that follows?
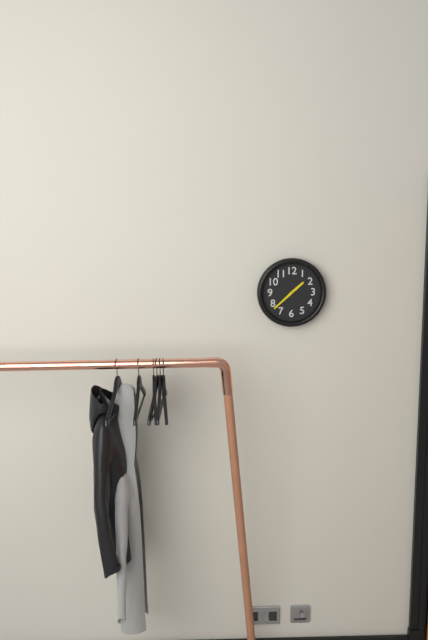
1:38
